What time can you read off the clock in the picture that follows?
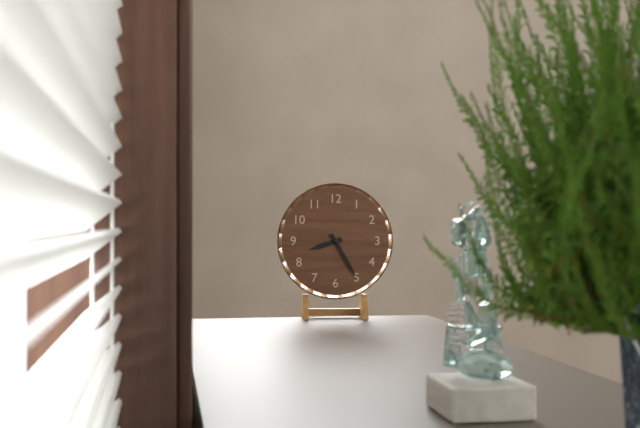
8:25
